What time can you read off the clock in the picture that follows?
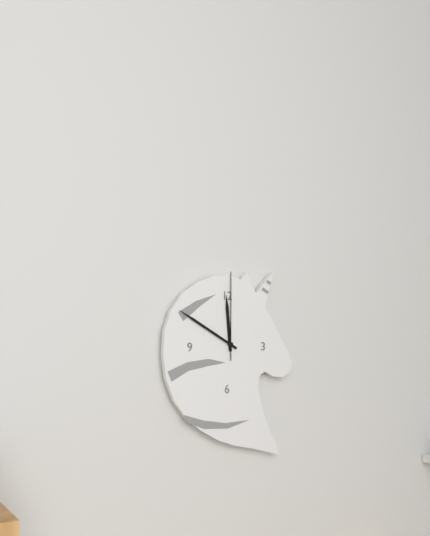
11:50:00
